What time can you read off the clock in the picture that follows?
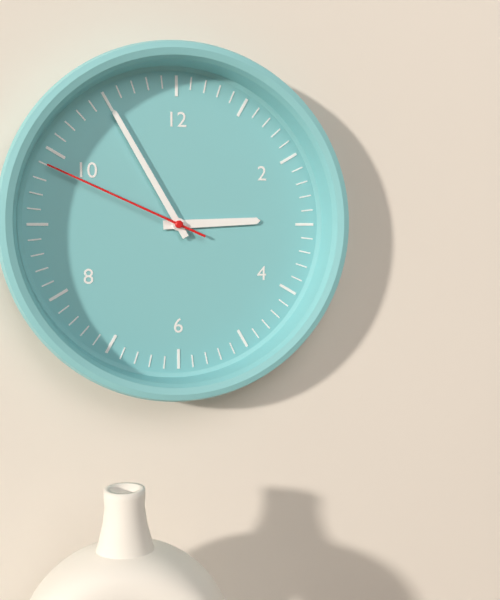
2:55:49
